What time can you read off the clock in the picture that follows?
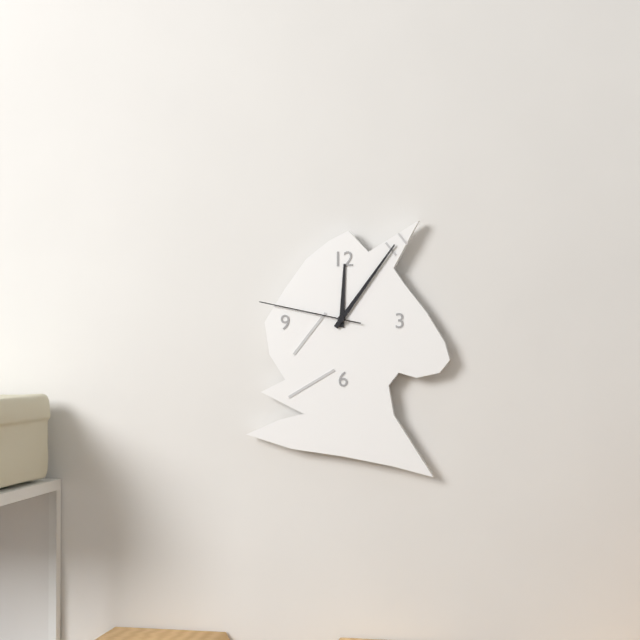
12:06:47
